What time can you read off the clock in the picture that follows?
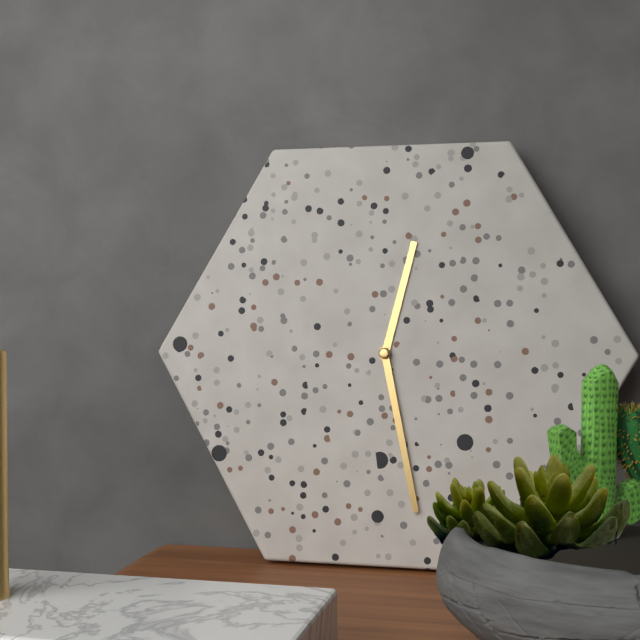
12:28
